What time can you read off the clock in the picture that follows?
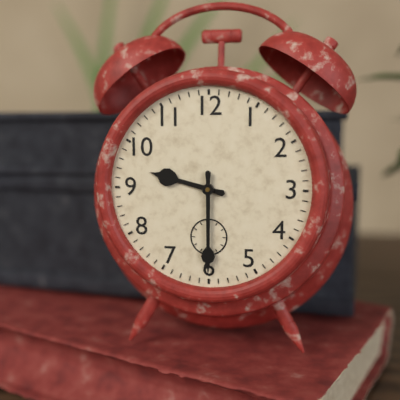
9:30
